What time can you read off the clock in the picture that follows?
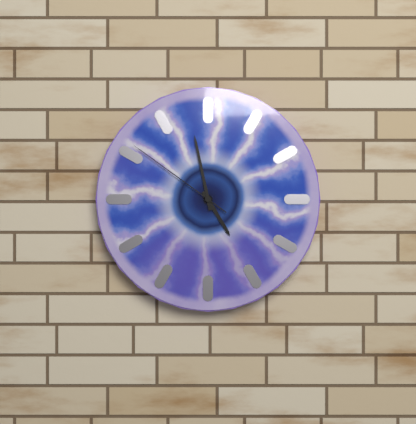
4:58:51
